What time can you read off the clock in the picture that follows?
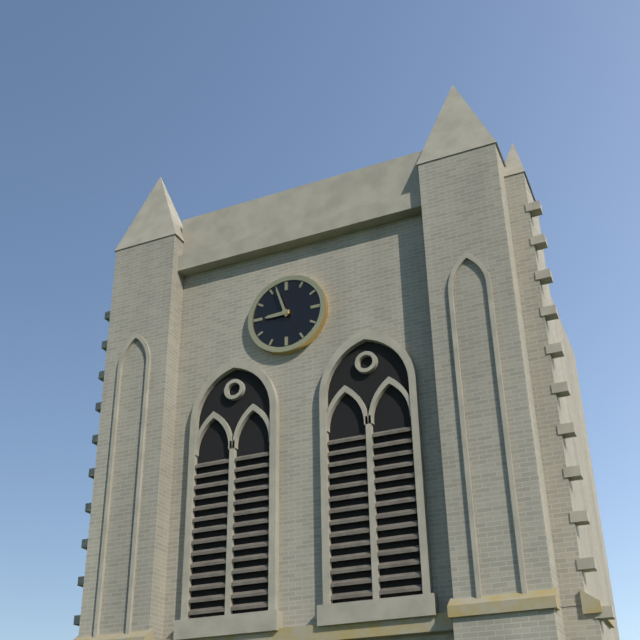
8:57
